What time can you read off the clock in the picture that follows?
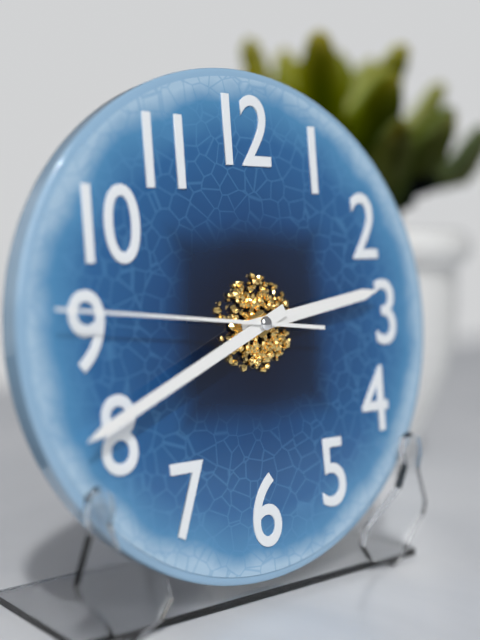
2:41:46
